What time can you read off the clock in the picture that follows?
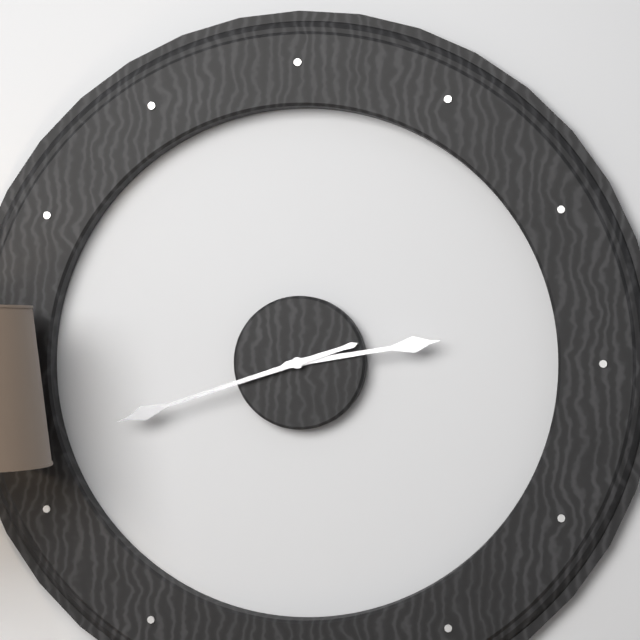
2:42
